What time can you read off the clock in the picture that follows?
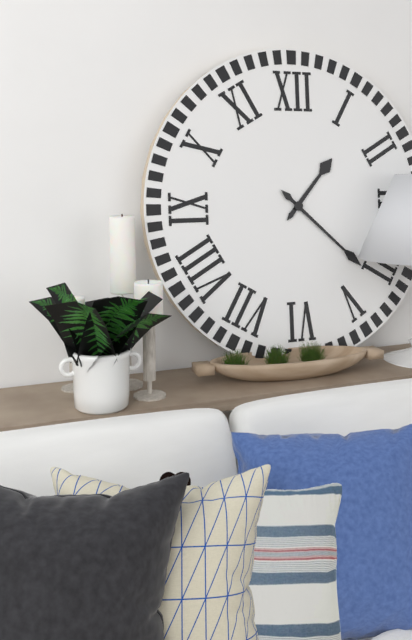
1:22
